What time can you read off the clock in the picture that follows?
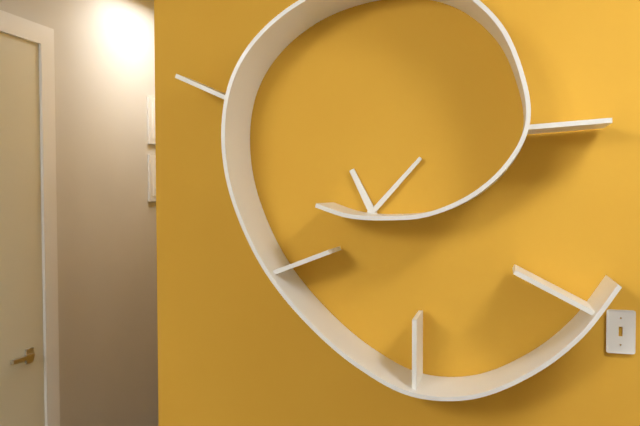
11:07
